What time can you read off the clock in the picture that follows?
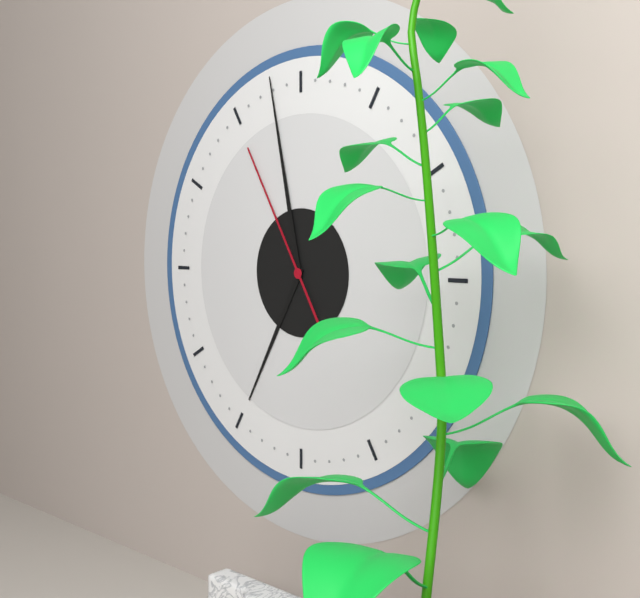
6:58:55
